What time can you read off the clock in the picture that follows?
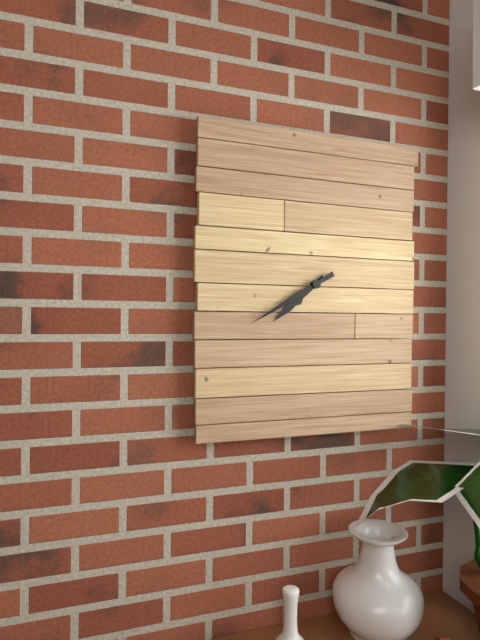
7:40
